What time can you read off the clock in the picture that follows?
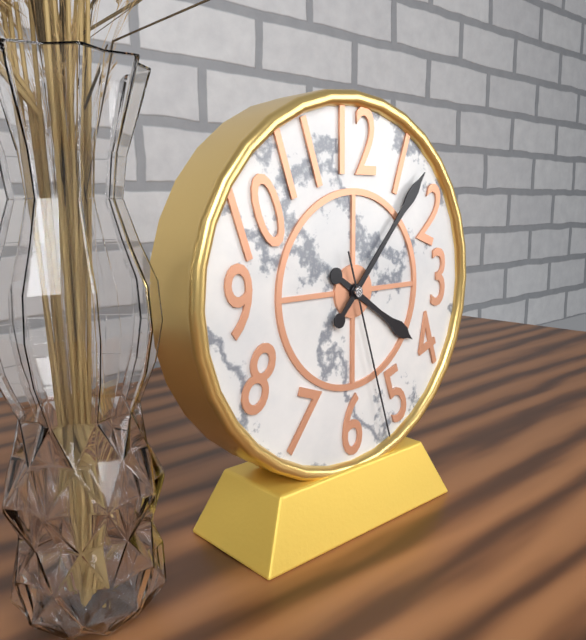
4:07:27
